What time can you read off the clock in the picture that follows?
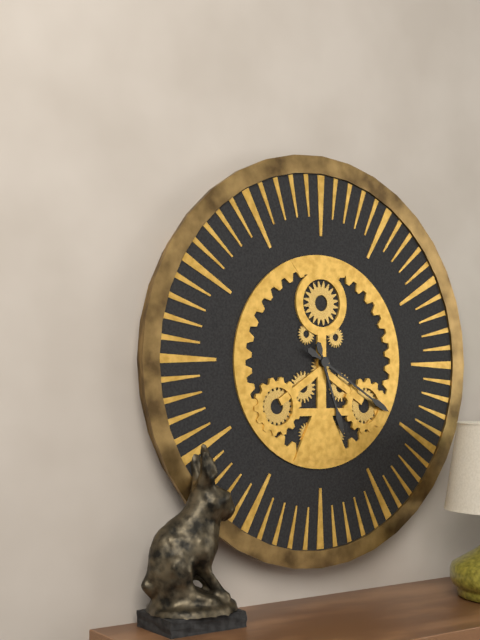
5:20
